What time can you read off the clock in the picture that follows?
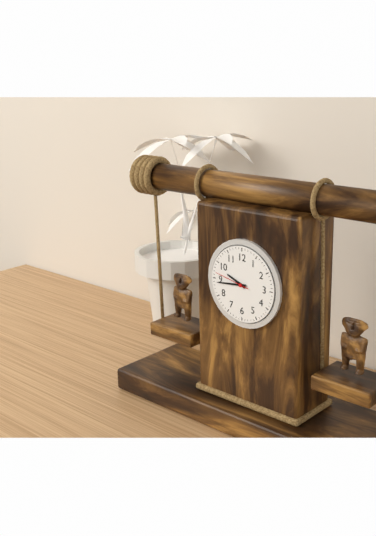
9:44
